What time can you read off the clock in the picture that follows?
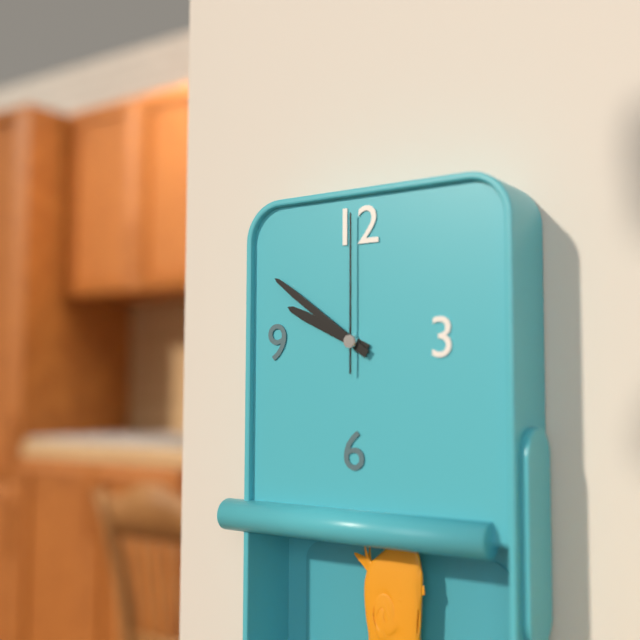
9:51:00
